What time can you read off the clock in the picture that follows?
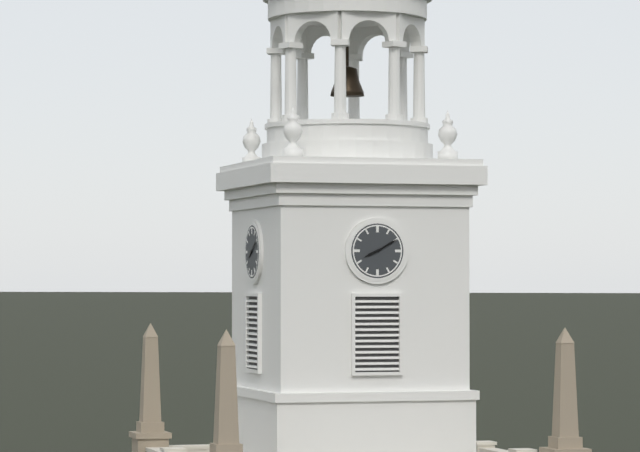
8:10
